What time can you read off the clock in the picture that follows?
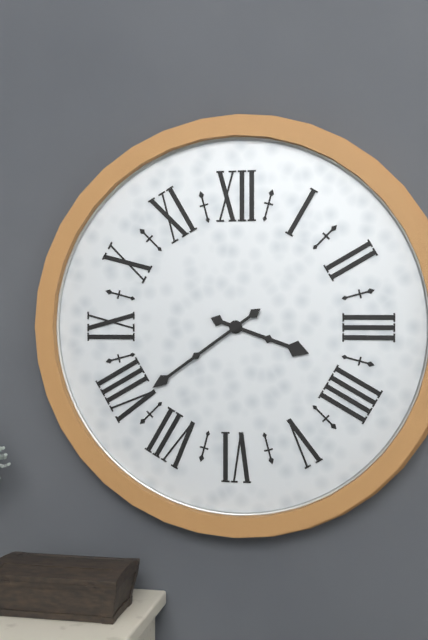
3:39
